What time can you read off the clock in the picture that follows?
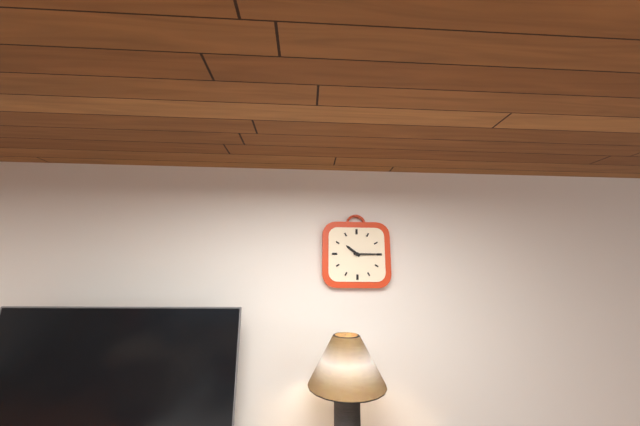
10:15
